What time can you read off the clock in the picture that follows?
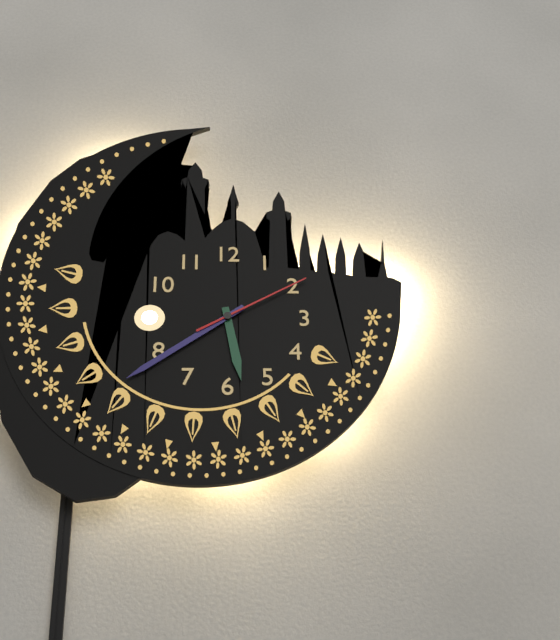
5:39:10
